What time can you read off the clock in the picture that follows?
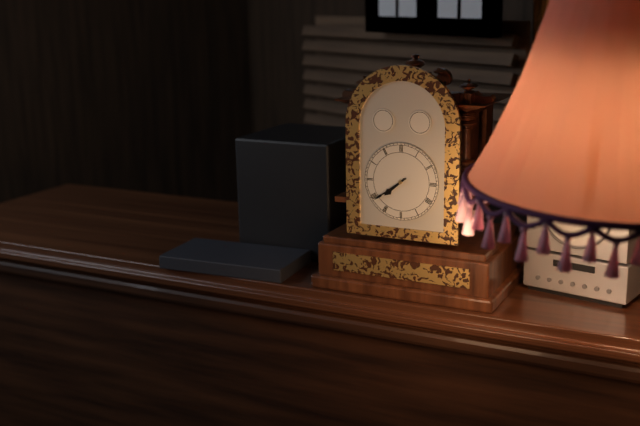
7:39
